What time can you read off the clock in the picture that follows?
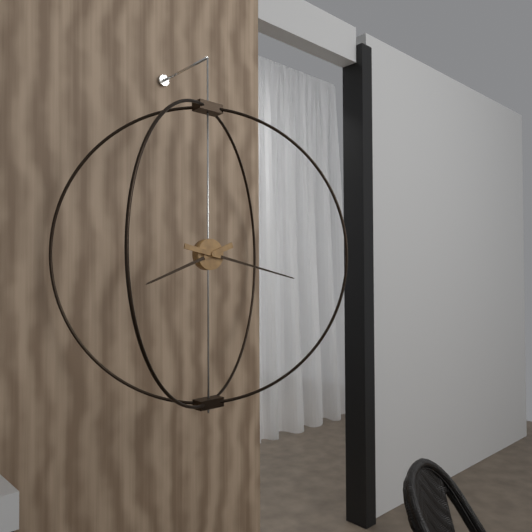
8:17
